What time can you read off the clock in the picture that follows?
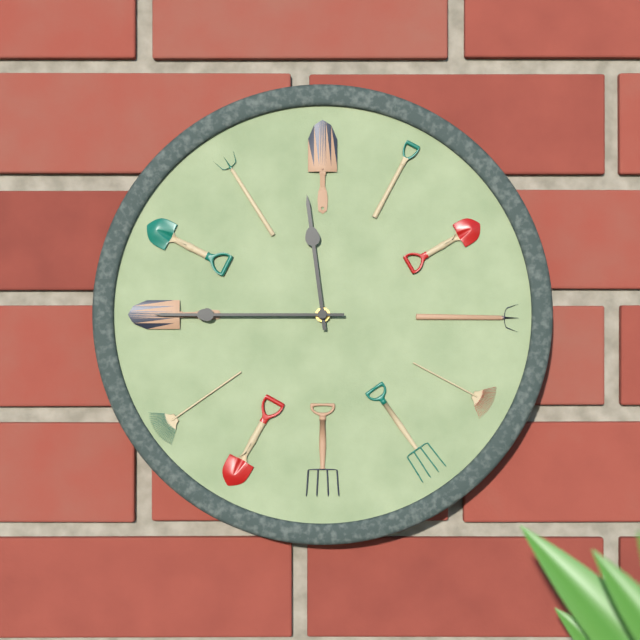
11:45
